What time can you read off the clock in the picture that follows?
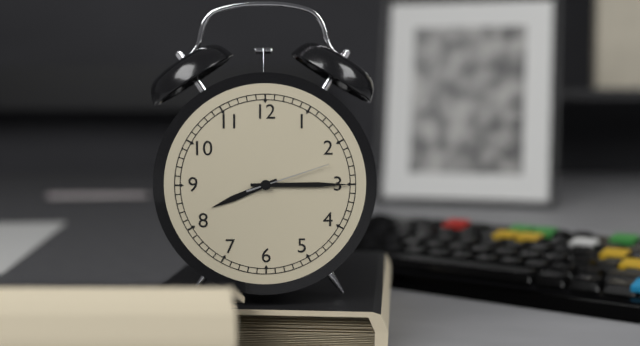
8:15:12
